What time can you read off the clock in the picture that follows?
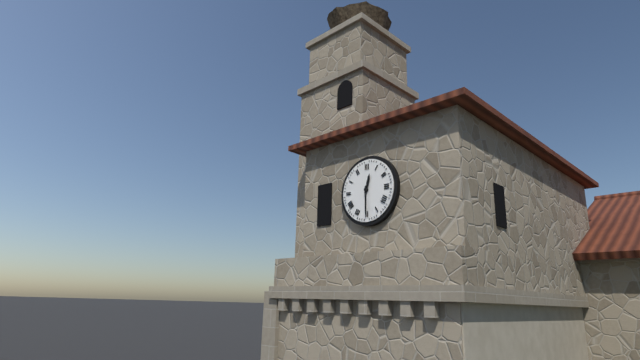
12:30
